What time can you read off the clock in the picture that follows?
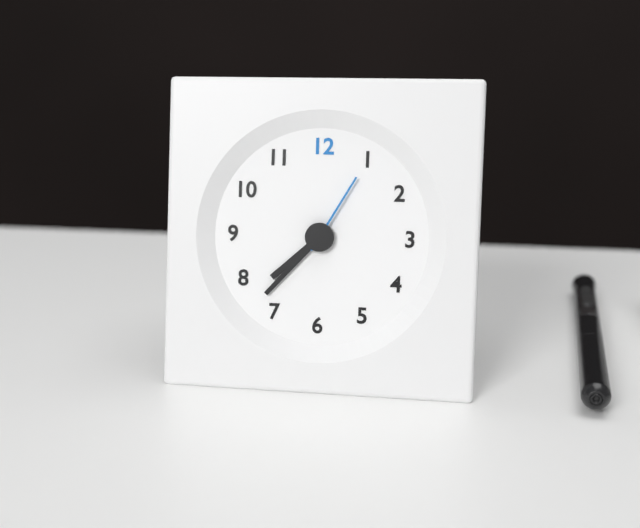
7:37:05
